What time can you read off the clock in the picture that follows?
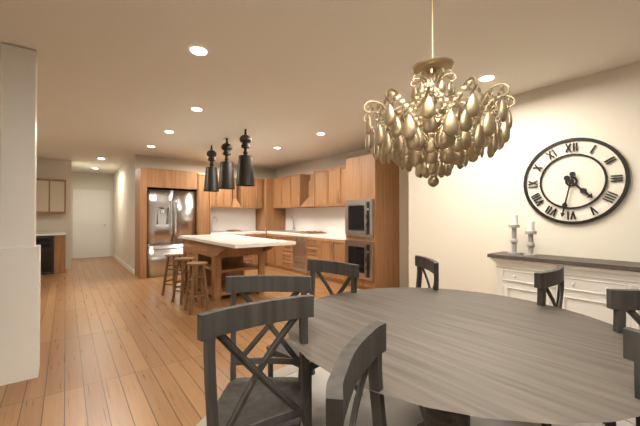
4:32
